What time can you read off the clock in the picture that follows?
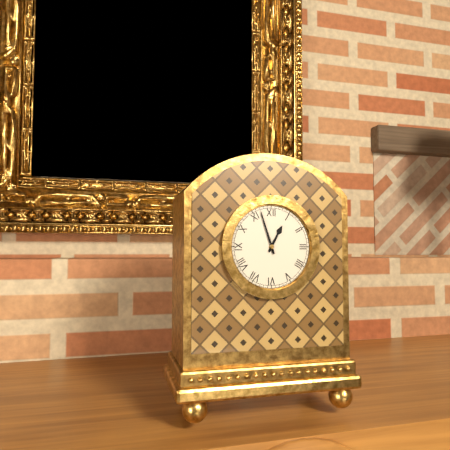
12:57
